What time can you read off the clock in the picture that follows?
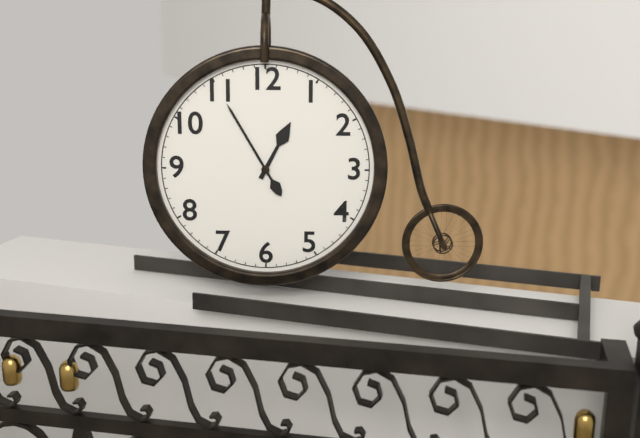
12:55
